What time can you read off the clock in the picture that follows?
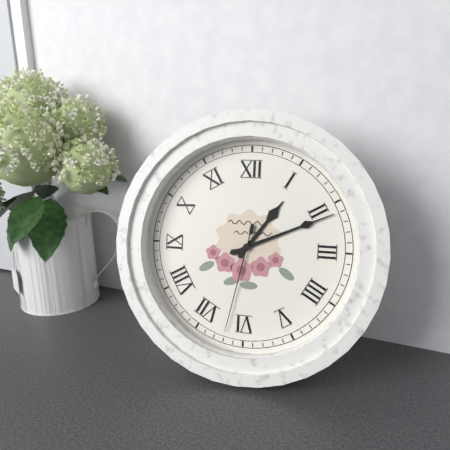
1:11:32
